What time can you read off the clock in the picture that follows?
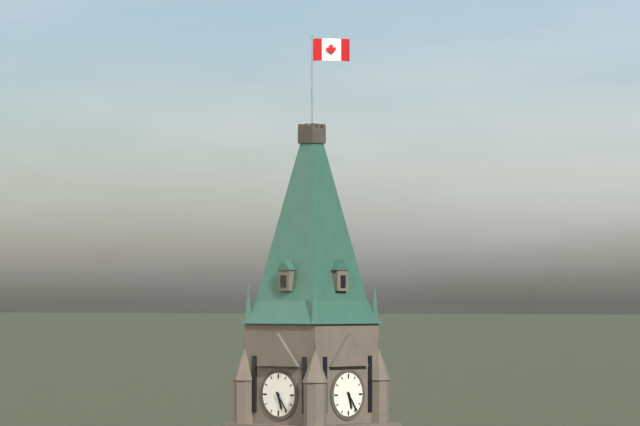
5:24
